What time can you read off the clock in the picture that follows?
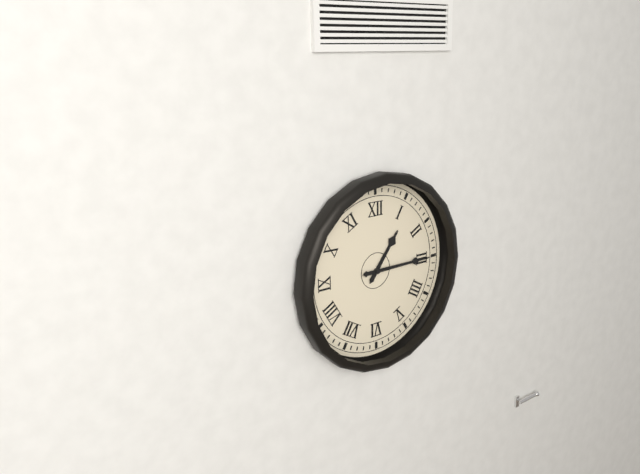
1:15
